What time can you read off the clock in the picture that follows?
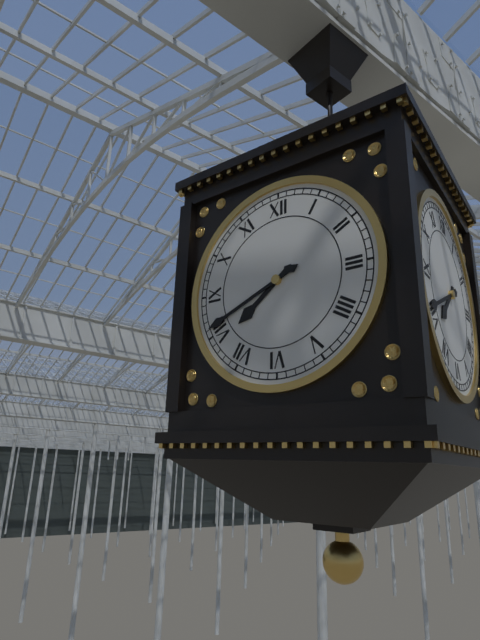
7:41
